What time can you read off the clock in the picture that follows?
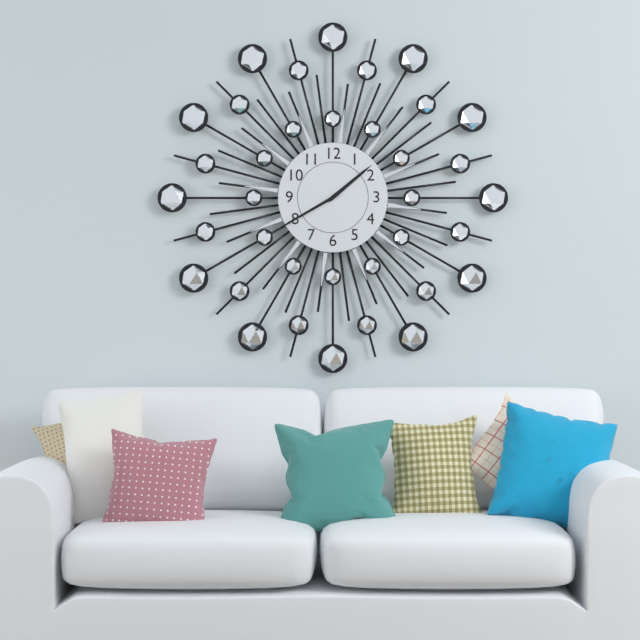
1:40
